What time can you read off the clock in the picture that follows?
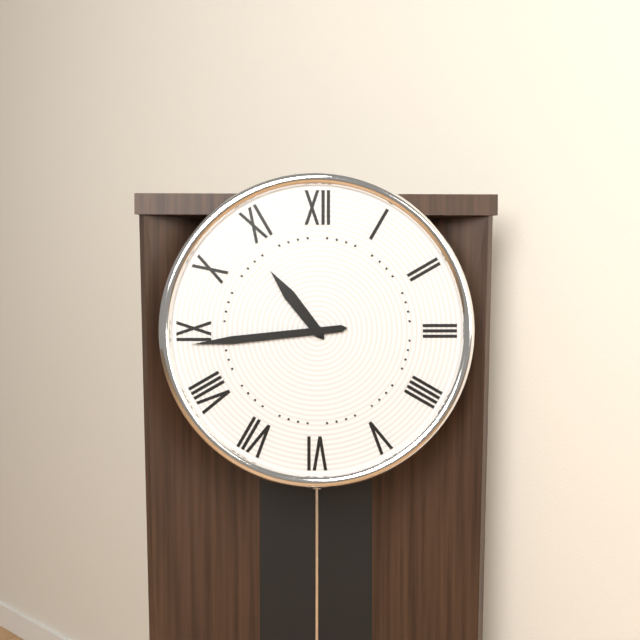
10:44
